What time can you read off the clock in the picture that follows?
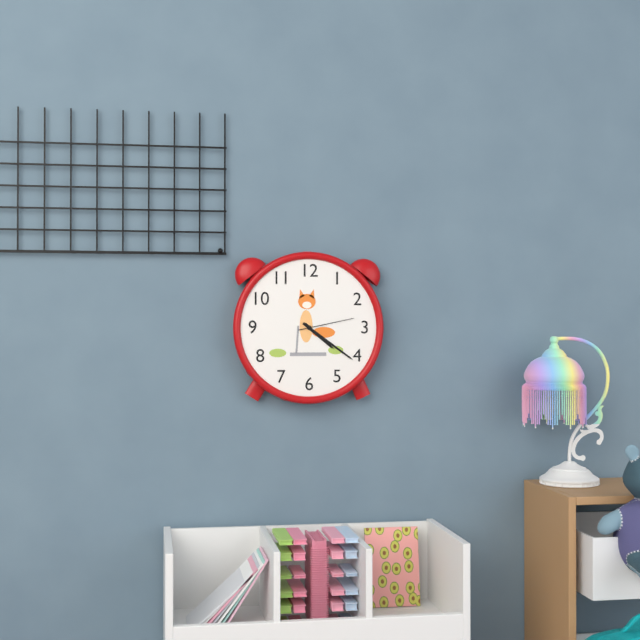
4:21:13
